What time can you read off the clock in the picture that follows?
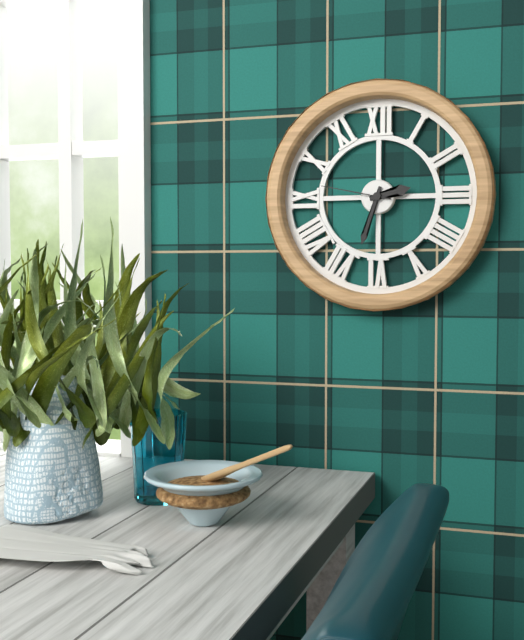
2:33:47
